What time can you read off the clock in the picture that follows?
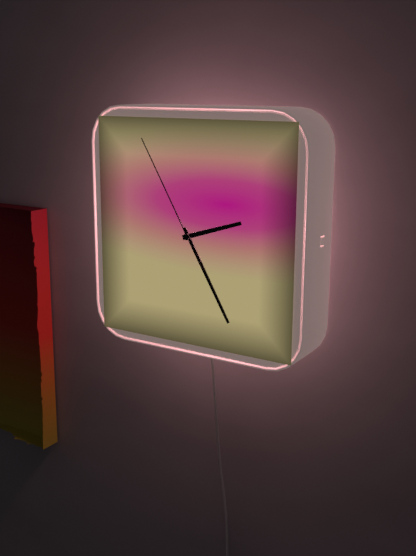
2:25:55
